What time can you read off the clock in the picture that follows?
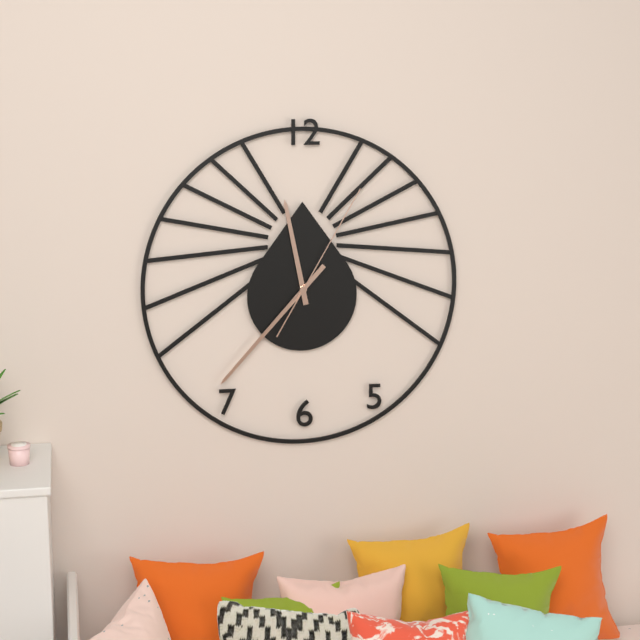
11:37:05
